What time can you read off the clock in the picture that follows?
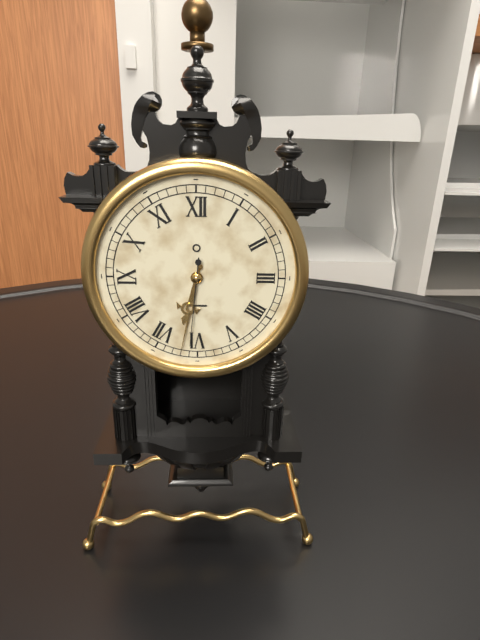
6:32:31
